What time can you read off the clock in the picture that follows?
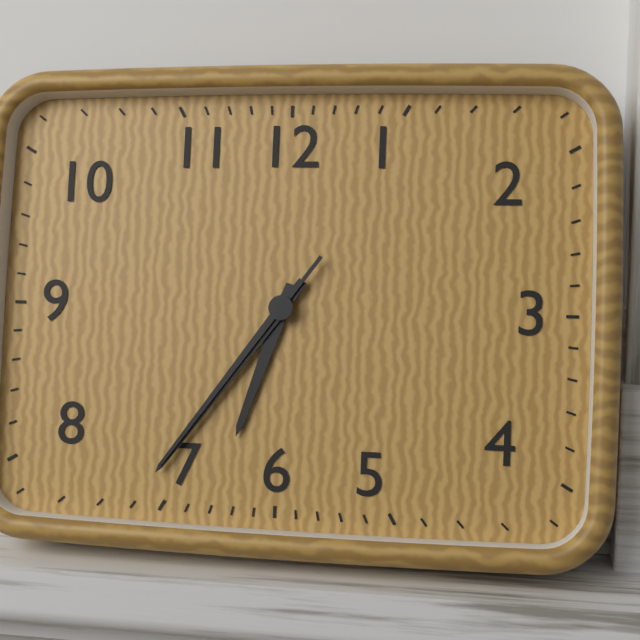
6:36:36
